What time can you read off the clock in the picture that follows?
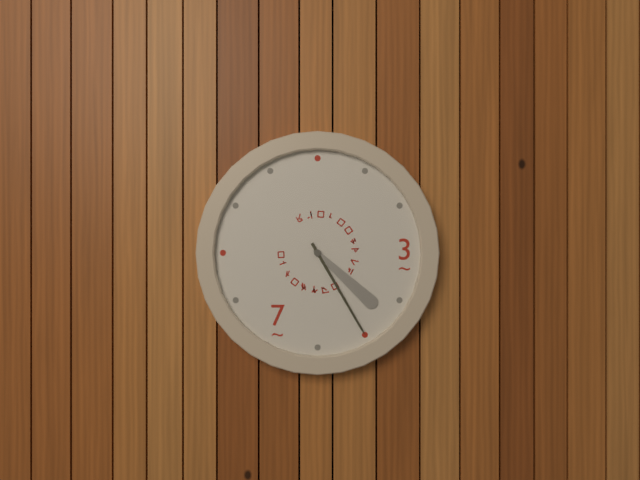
4:25
